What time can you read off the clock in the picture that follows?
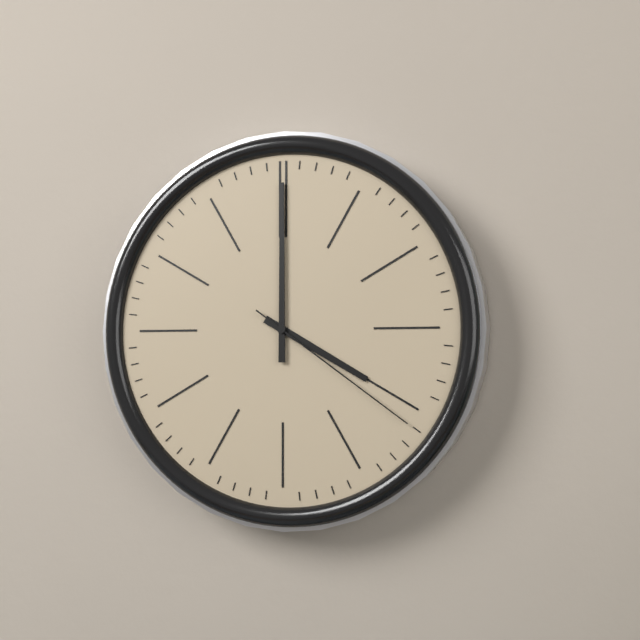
4:00:21
